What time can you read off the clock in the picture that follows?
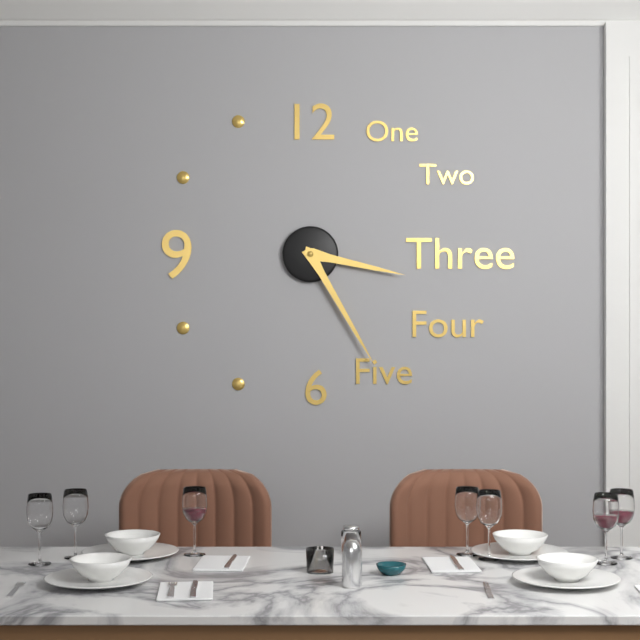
3:25
